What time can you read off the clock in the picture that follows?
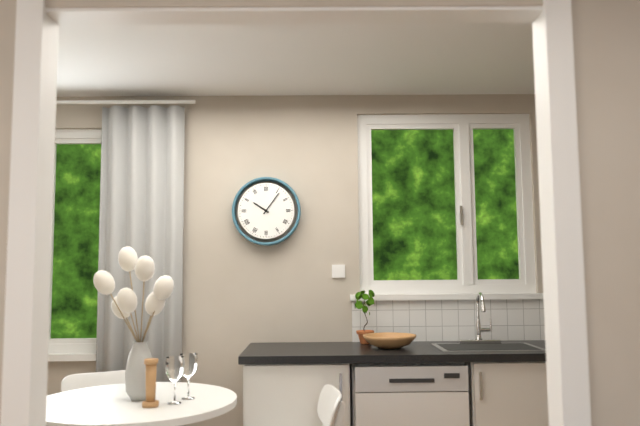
10:06
